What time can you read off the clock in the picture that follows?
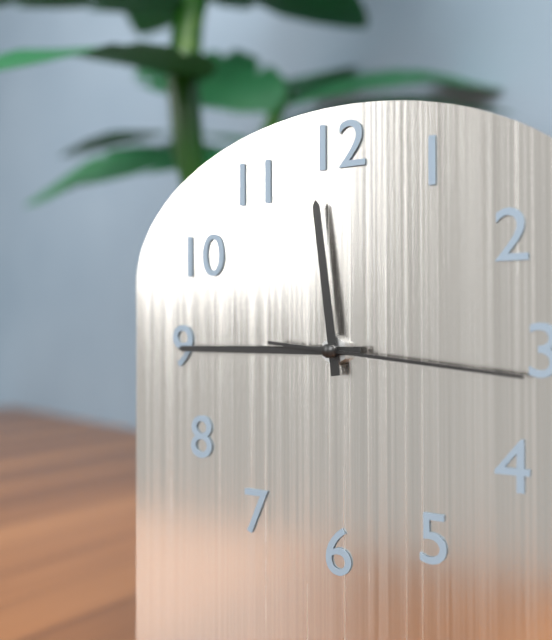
11:45:16
